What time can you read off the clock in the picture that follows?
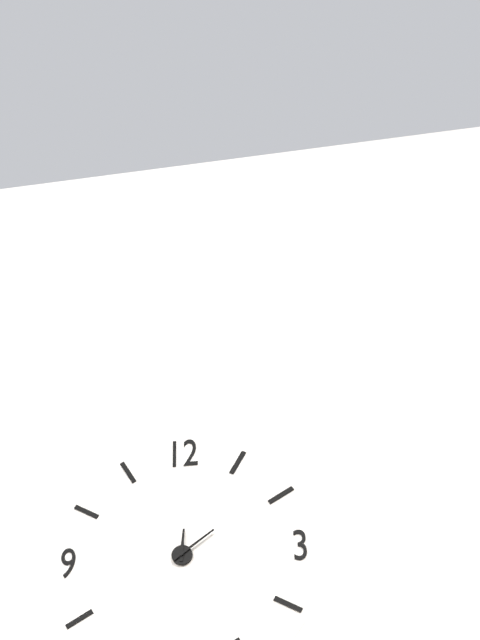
12:09
